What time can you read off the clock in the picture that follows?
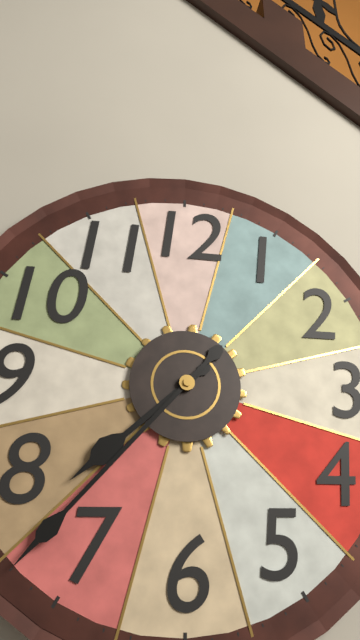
7:37
